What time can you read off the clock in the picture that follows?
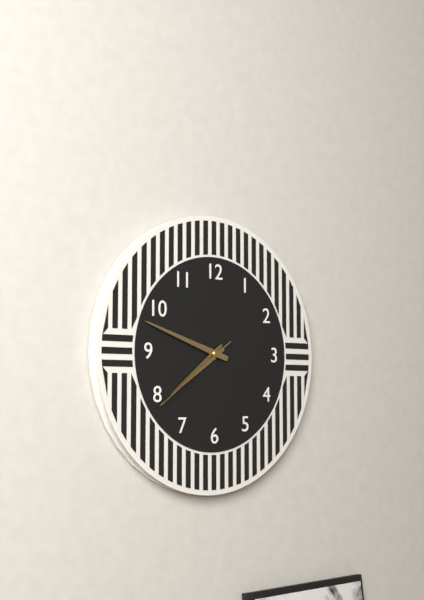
7:48:39
